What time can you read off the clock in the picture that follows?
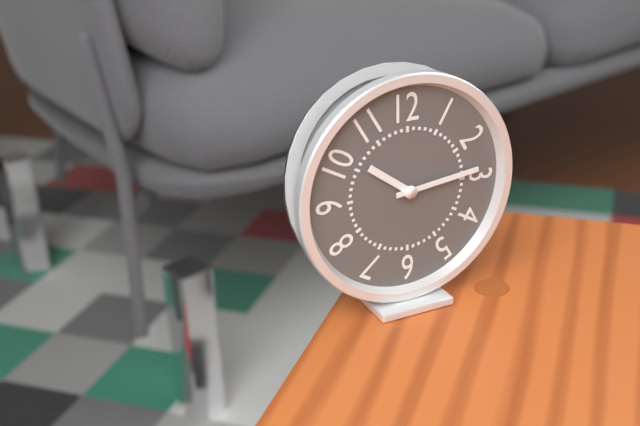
10:14
